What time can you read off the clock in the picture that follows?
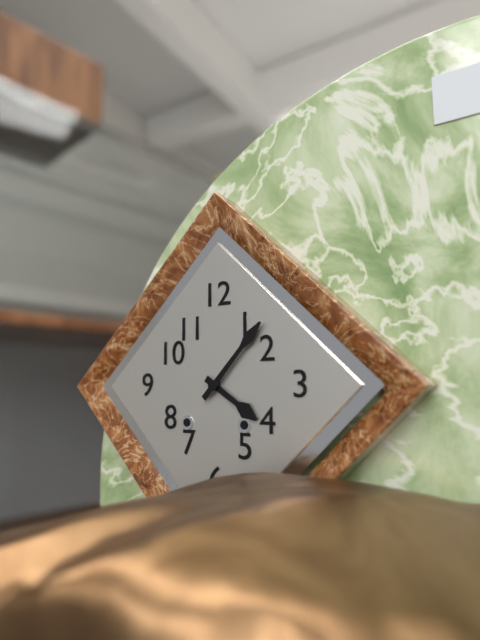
4:07
